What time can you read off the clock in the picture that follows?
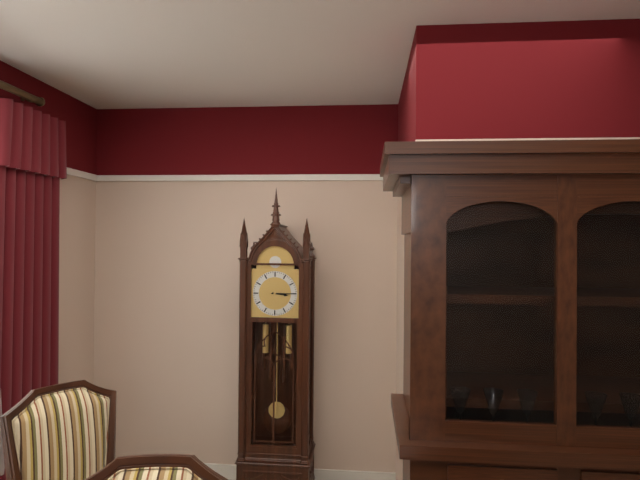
3:15
